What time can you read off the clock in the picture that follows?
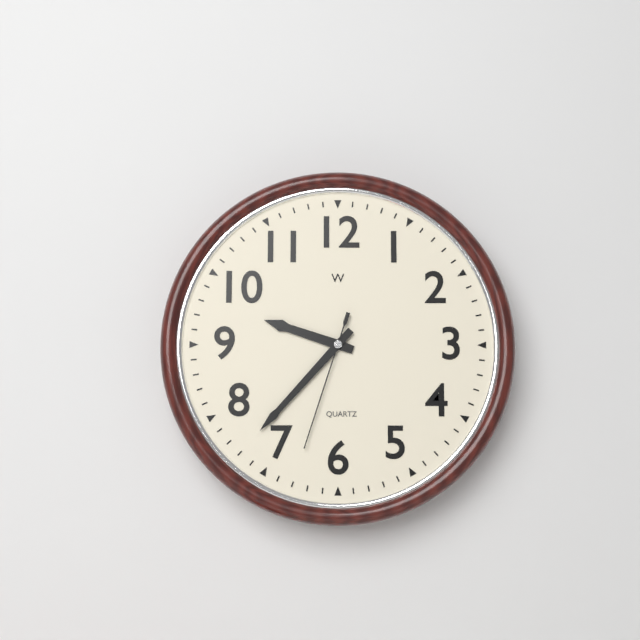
9:37:33
